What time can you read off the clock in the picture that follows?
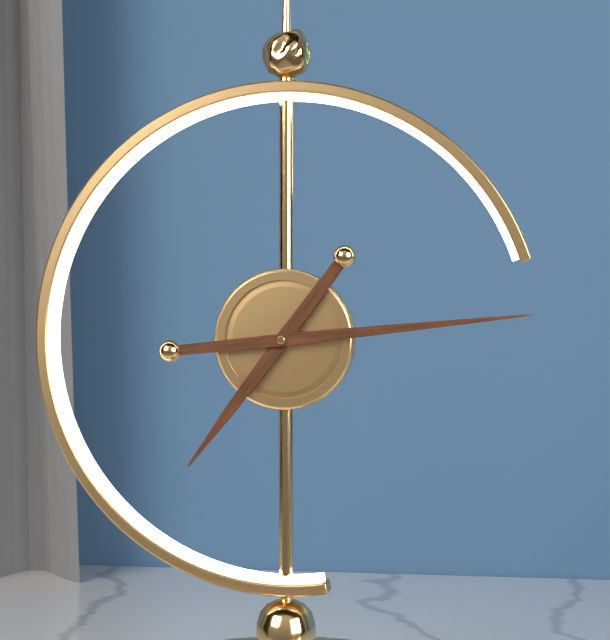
7:14
